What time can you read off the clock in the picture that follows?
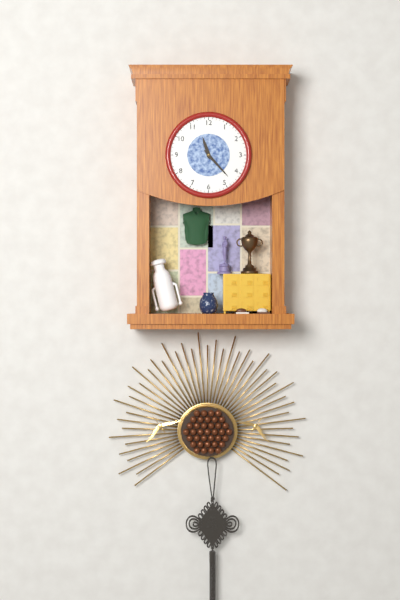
11:23
